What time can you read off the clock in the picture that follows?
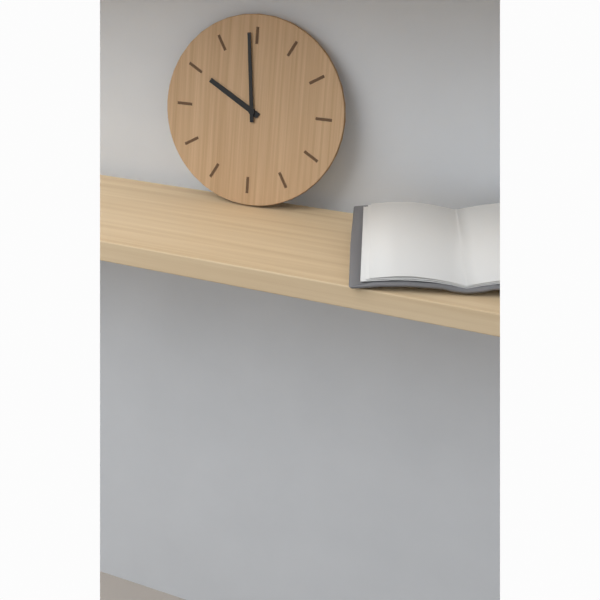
9:59
